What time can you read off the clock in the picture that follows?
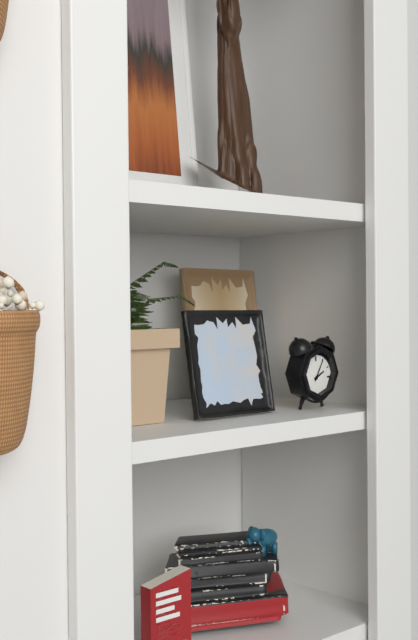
2:05
